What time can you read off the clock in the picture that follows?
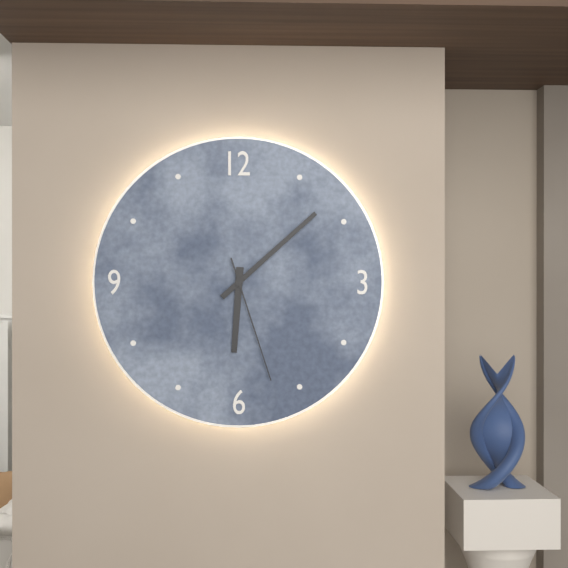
6:08:27
